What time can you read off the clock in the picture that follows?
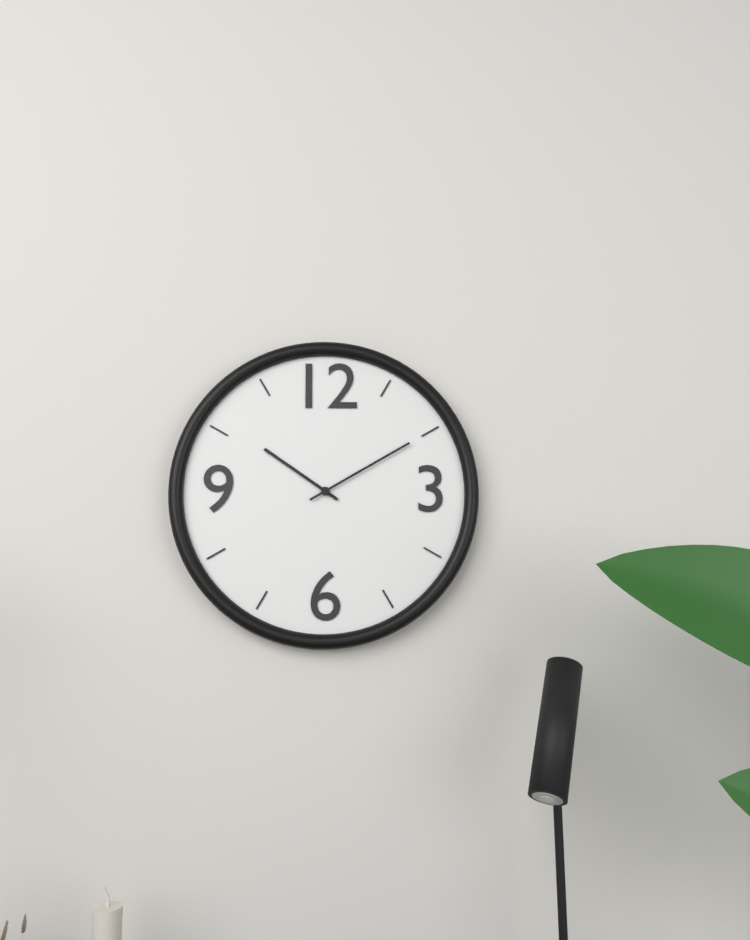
10:10
